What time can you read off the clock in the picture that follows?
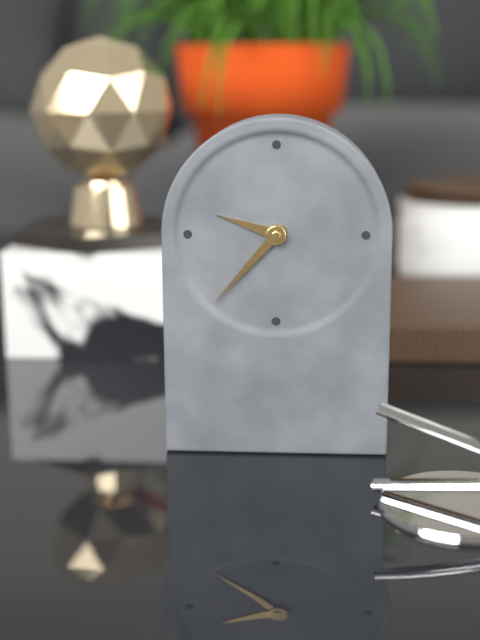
9:37
